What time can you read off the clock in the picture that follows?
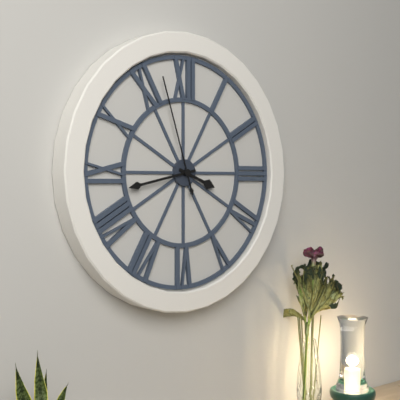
3:43:57
